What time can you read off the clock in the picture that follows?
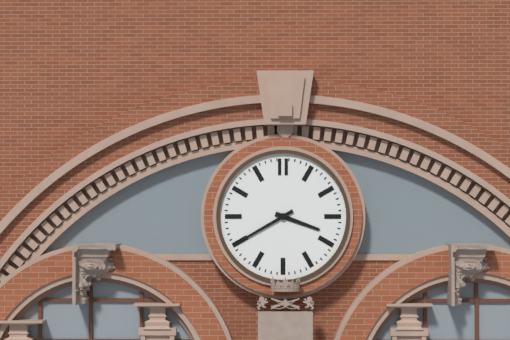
3:40
